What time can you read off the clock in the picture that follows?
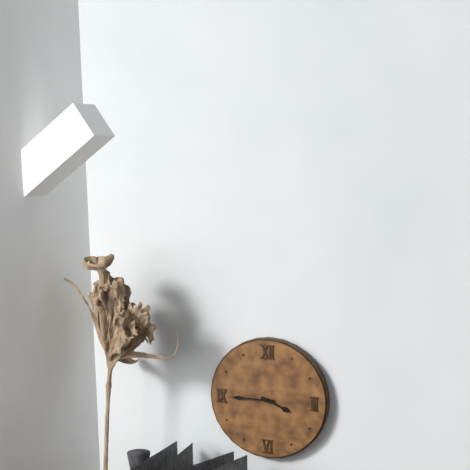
3:45
